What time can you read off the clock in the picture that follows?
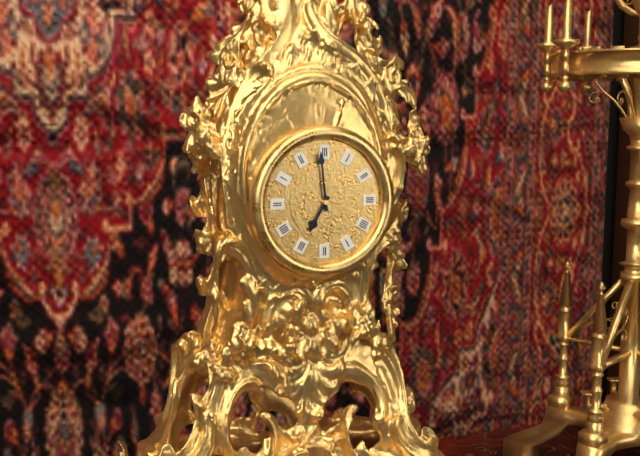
6:59
